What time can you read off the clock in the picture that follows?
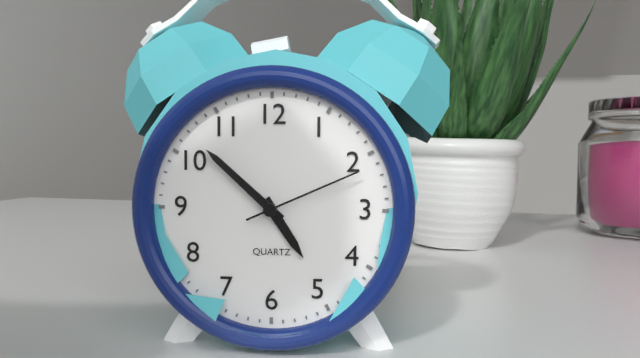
4:52:11
